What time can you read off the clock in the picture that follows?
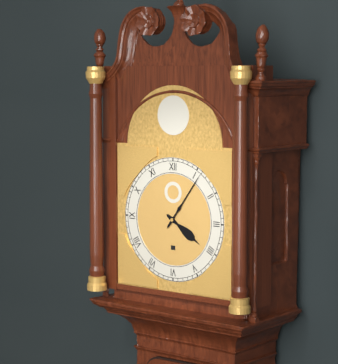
4:06
